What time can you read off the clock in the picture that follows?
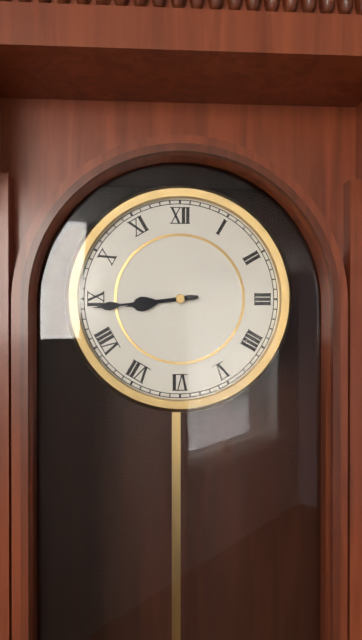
8:44
